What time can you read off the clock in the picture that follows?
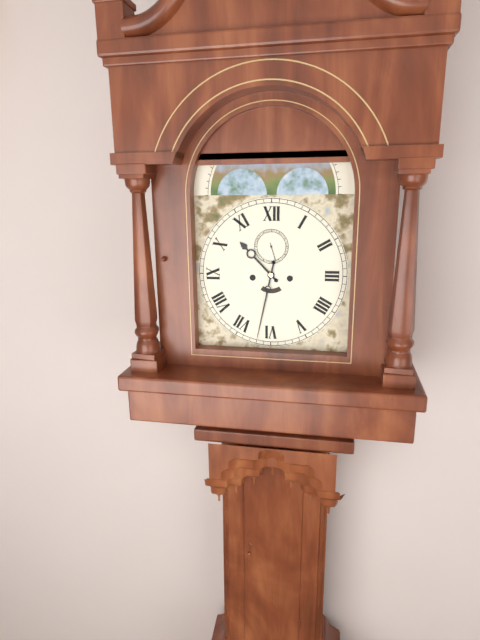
10:32
